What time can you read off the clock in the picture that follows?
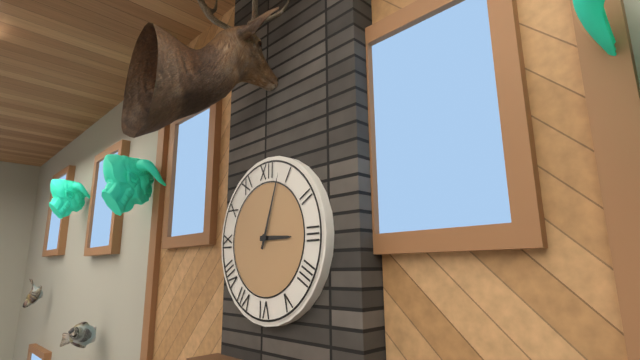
3:03
